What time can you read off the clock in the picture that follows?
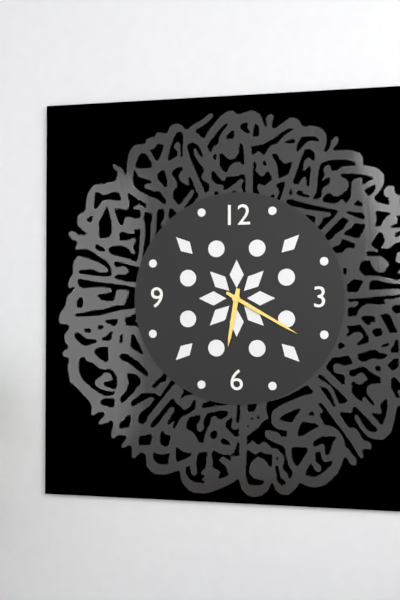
6:20
